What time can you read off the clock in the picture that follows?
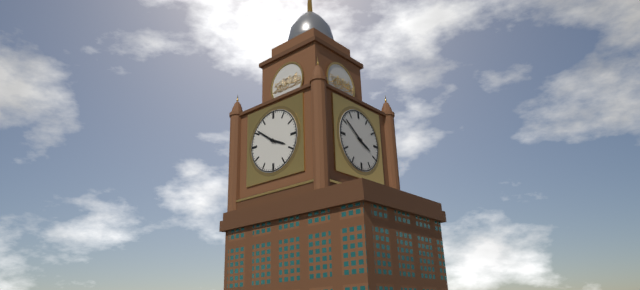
3:51
